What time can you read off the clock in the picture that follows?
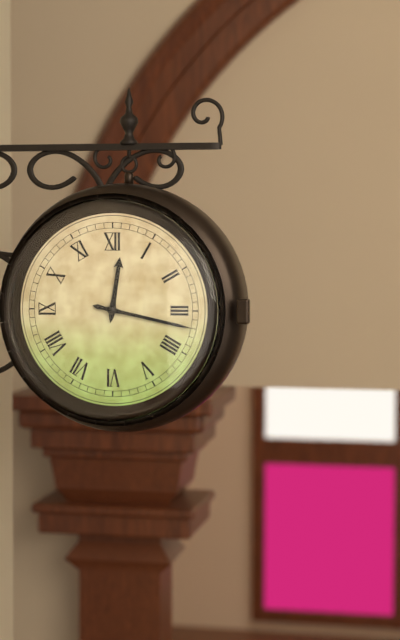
12:17
